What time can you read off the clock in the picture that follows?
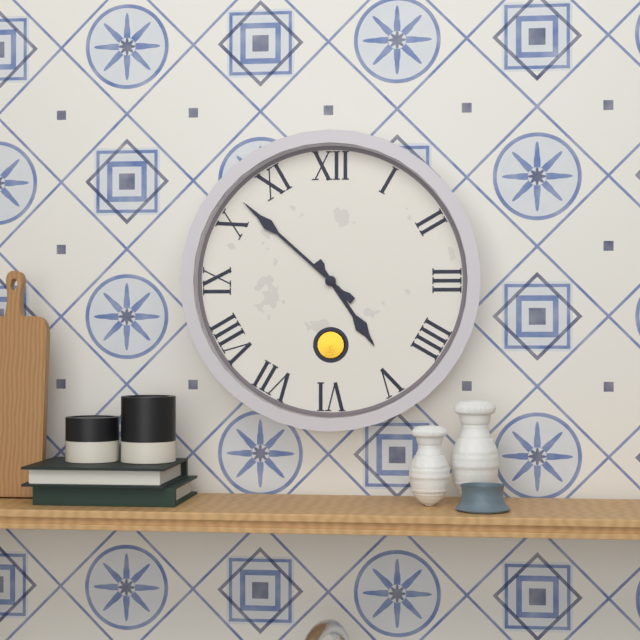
4:52
